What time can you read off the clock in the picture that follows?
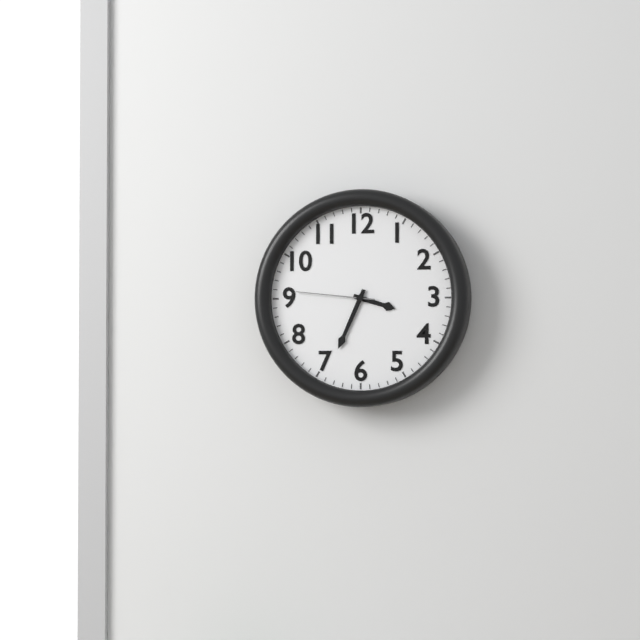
3:34:46
